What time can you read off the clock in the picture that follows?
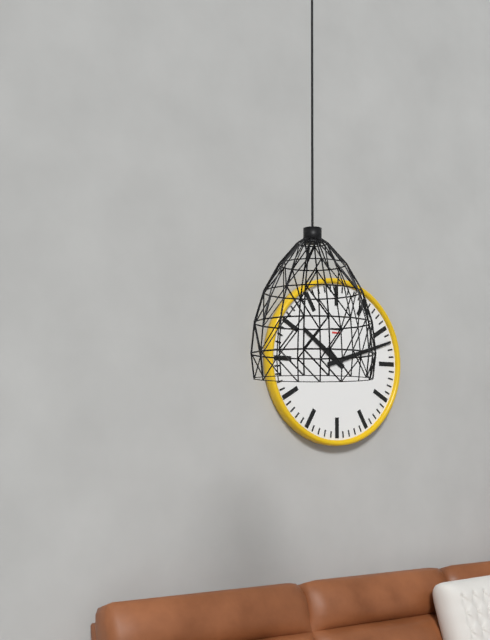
10:12
